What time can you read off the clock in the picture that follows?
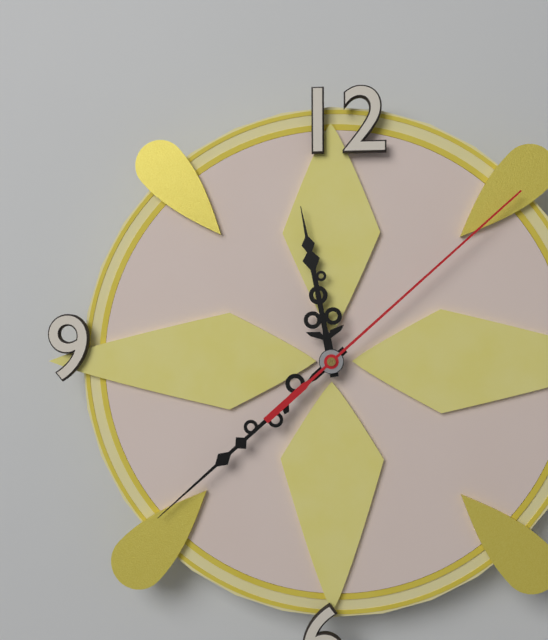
11:38:08
